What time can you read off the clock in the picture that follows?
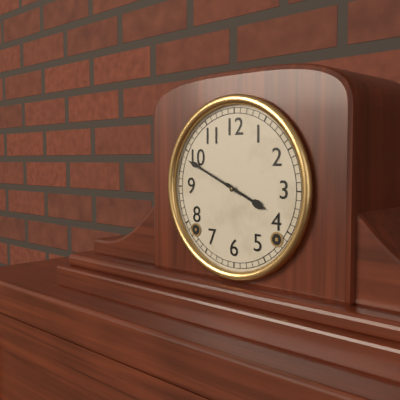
3:49
